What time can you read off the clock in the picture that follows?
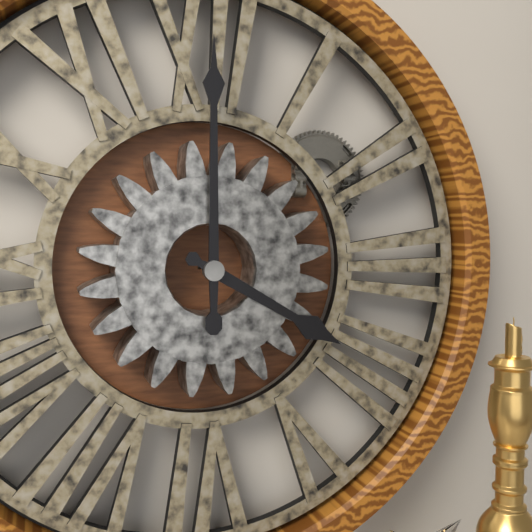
4:00
